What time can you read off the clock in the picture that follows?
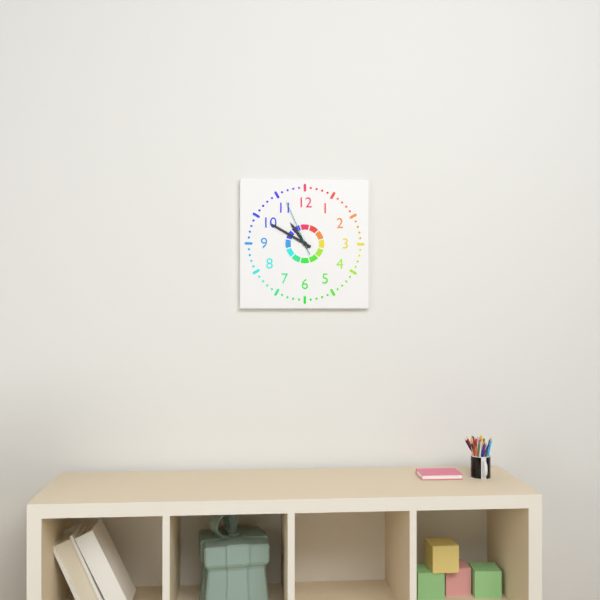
10:50:56
